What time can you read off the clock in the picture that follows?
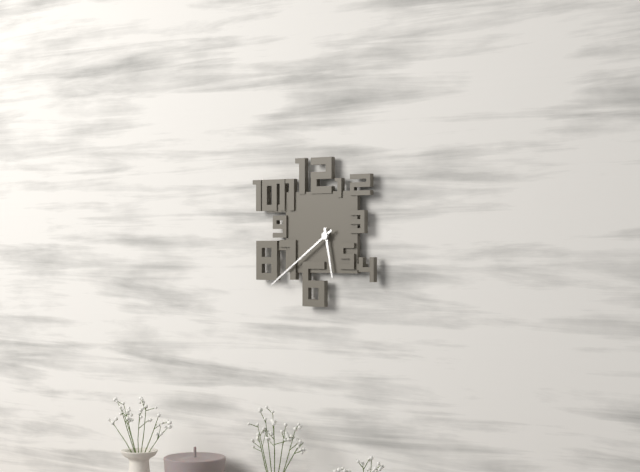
5:39
